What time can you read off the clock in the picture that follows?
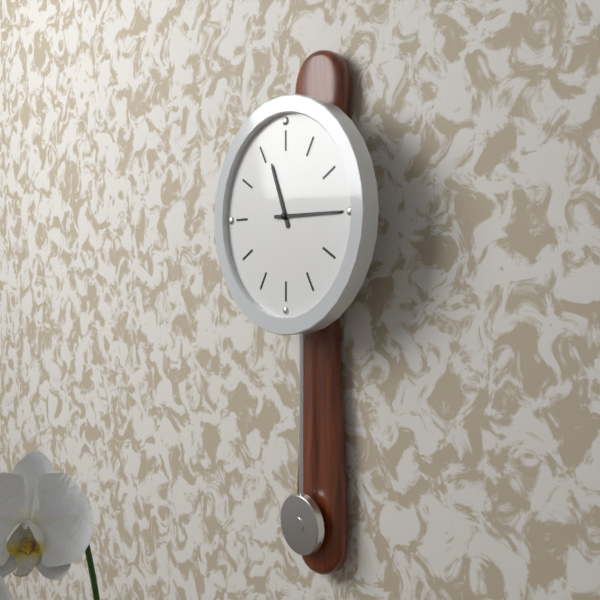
11:15
